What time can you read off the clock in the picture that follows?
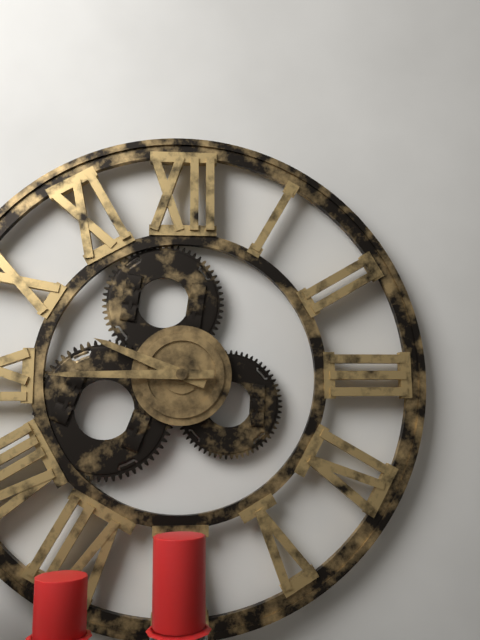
9:45
